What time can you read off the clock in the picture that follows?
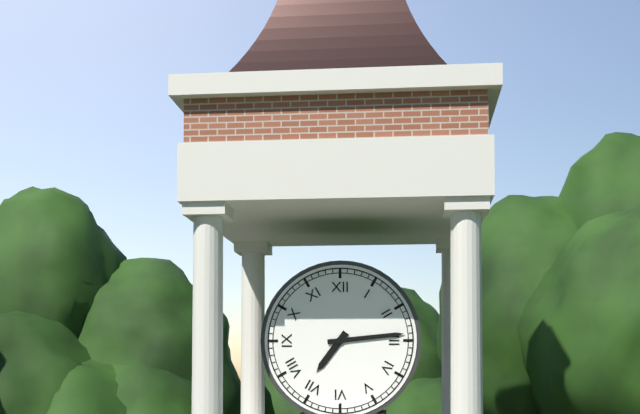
7:14
